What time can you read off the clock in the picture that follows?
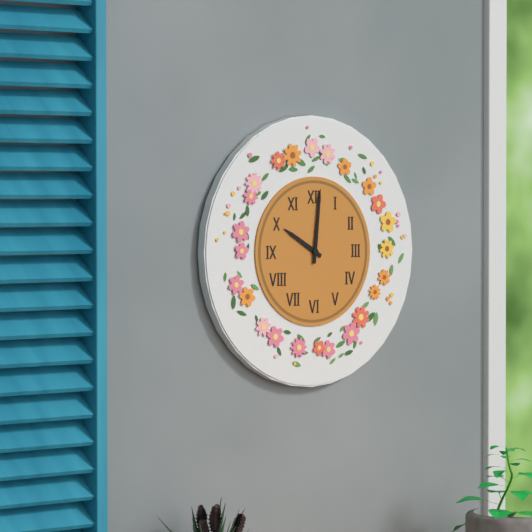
10:01
